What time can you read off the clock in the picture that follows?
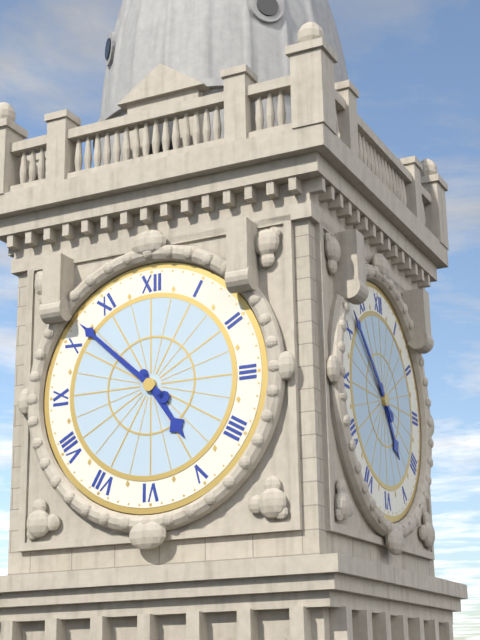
4:52
